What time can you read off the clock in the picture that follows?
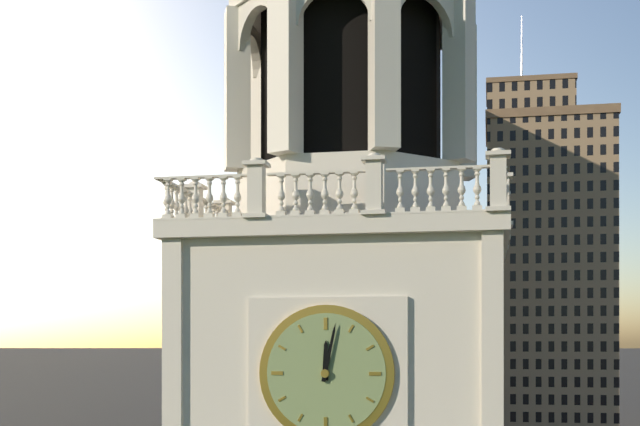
12:02
